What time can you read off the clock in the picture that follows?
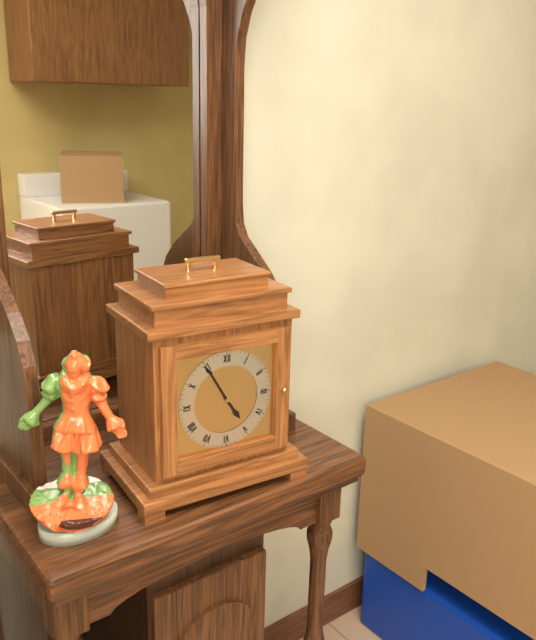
4:55
